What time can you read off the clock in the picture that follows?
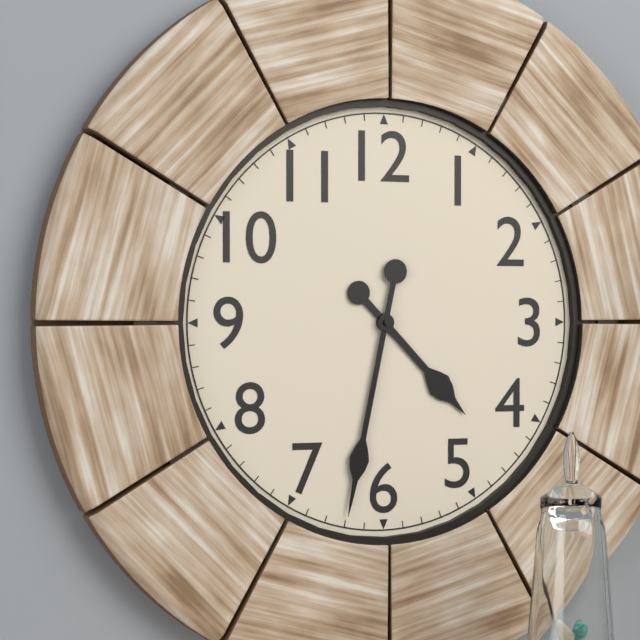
4:32
